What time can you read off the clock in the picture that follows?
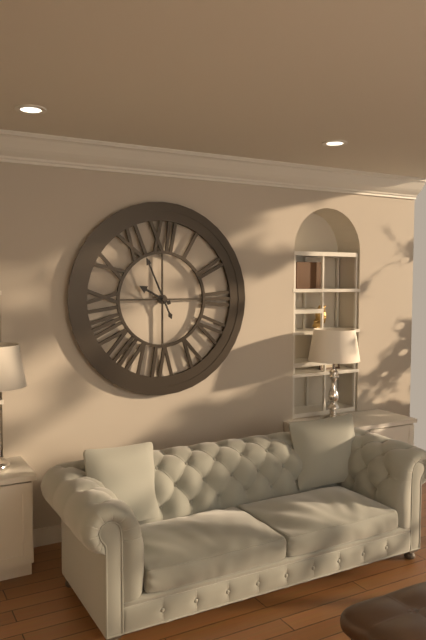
9:56
